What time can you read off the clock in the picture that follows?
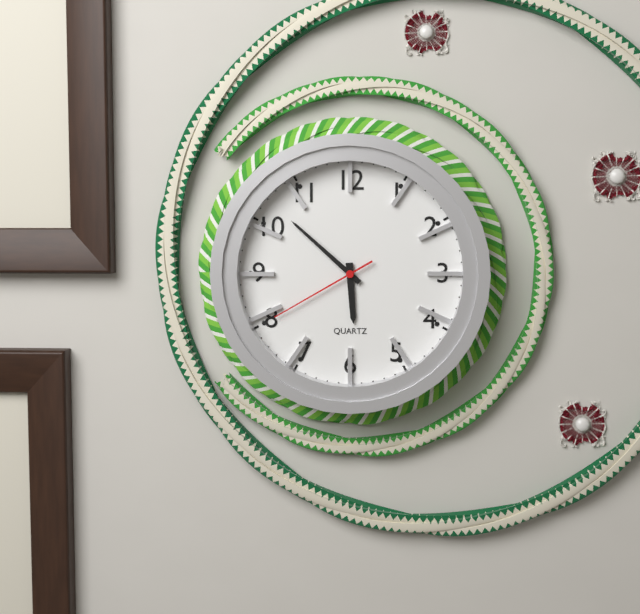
5:52:40
